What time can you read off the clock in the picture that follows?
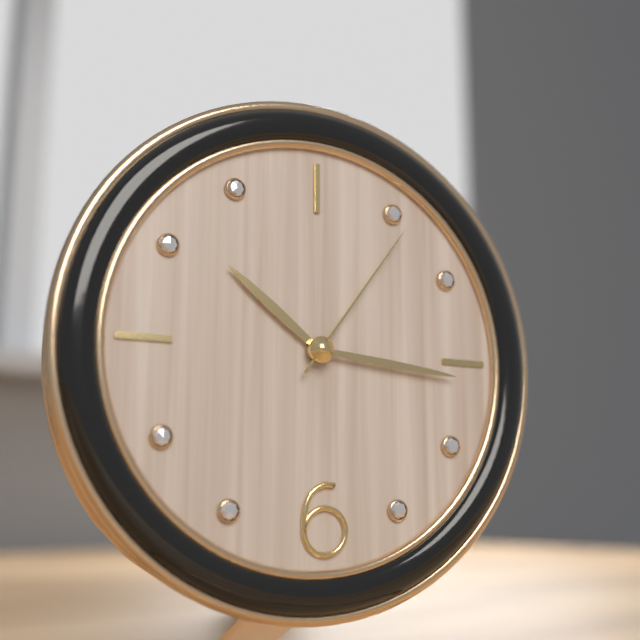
10:16:06
